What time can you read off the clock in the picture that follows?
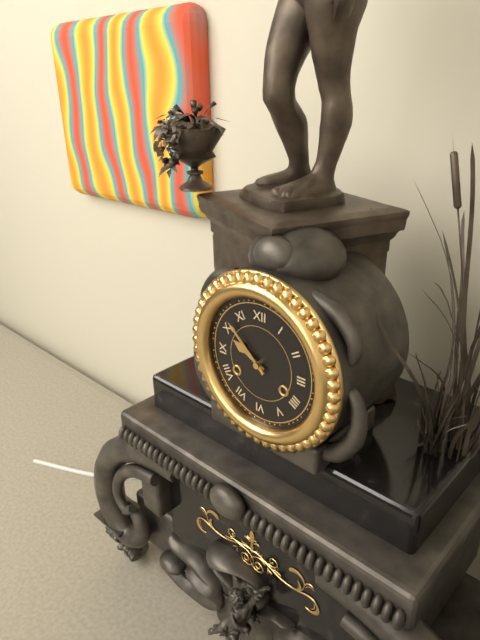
9:52
